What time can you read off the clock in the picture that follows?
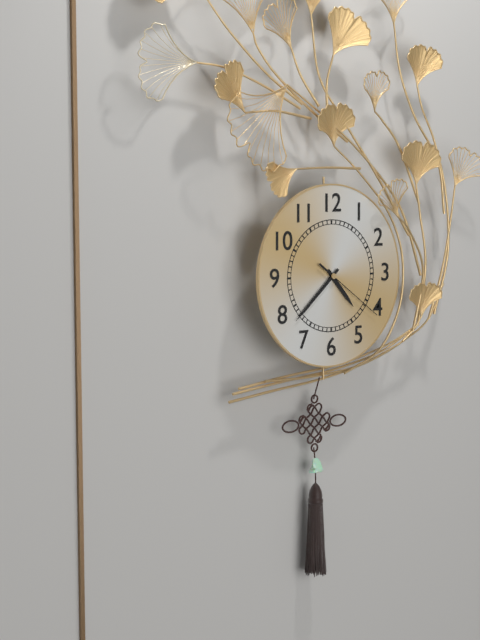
4:38:21
